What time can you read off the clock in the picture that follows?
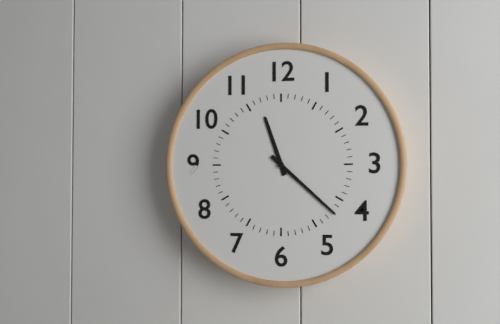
11:22
